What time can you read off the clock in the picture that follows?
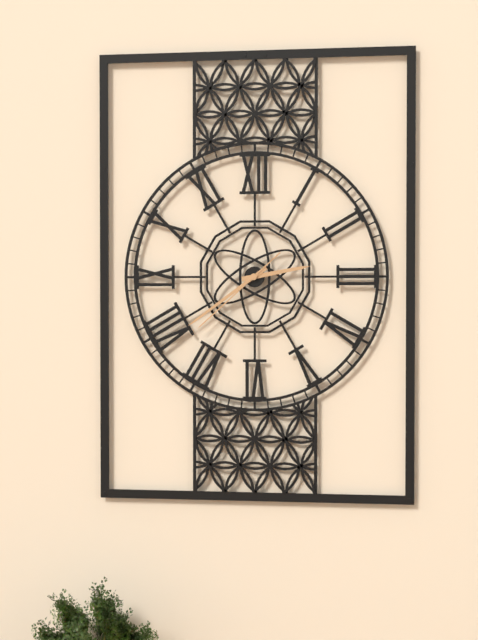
2:39:38
